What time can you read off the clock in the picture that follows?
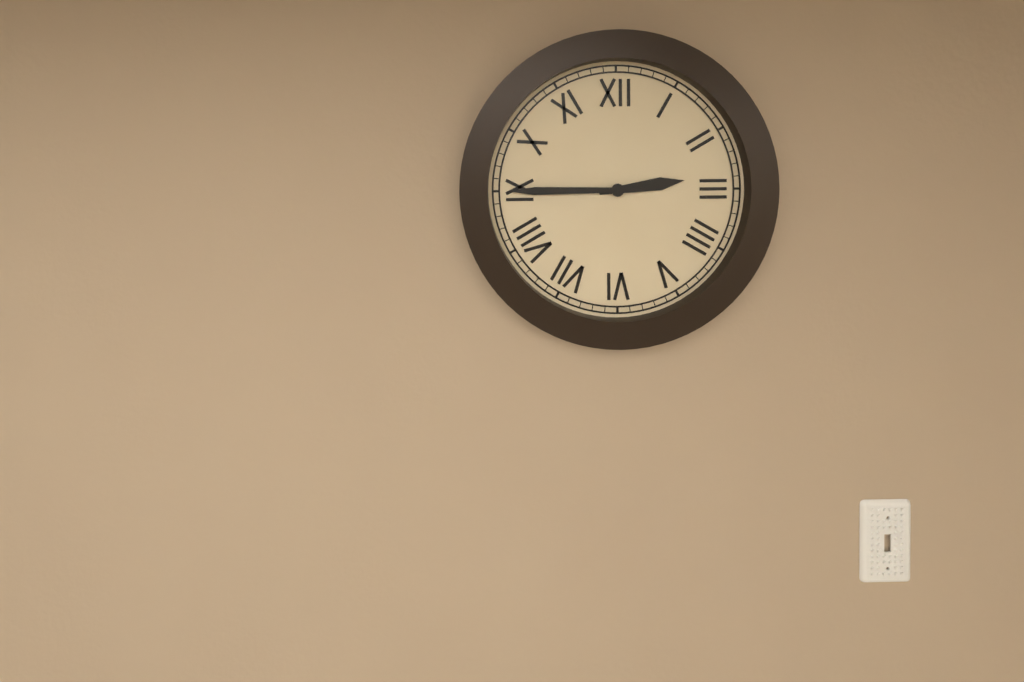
2:45
